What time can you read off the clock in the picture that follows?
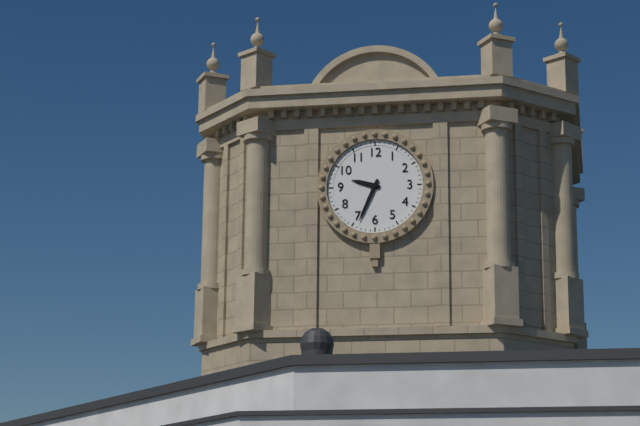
9:34
